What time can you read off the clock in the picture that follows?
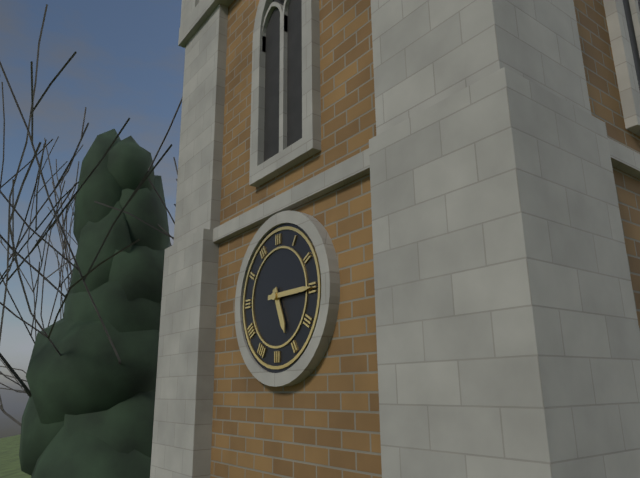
5:15
